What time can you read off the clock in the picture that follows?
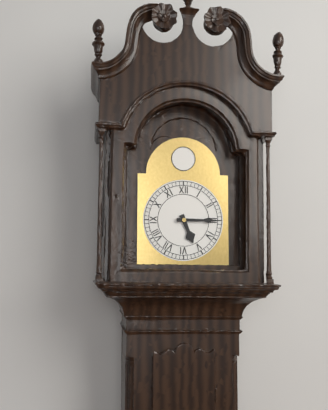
5:15
